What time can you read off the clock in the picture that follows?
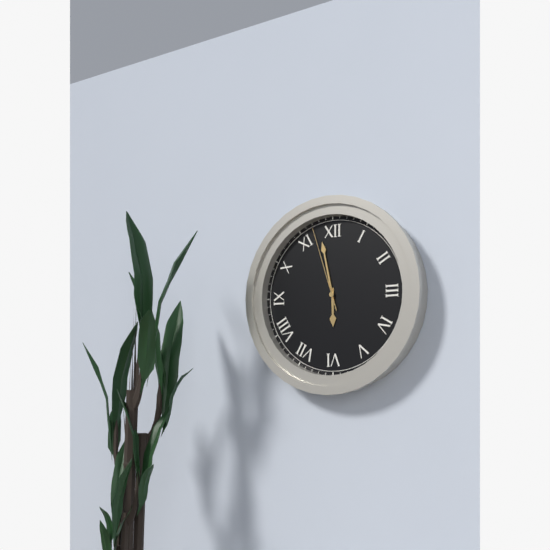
5:58:57
